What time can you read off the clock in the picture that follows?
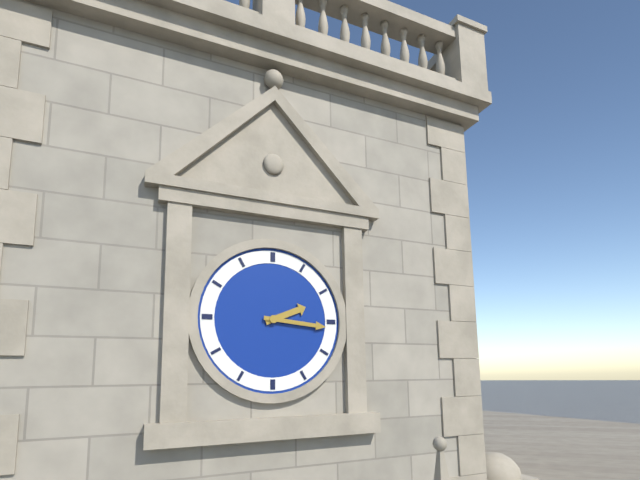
2:16
